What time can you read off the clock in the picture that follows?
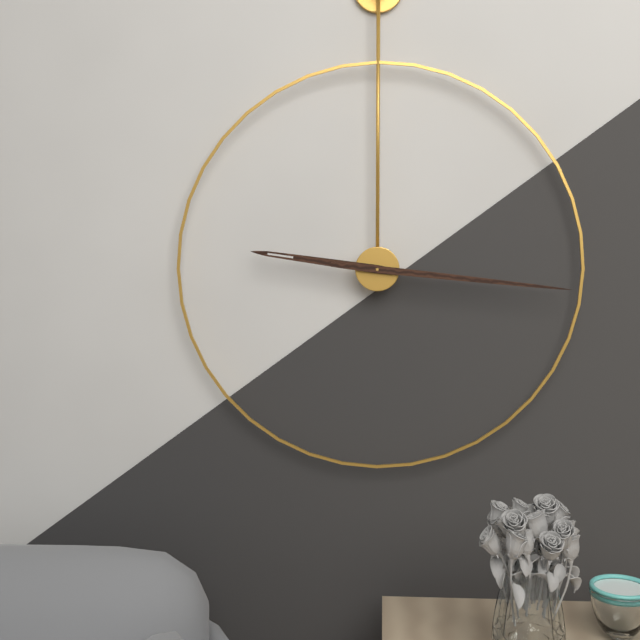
9:16
